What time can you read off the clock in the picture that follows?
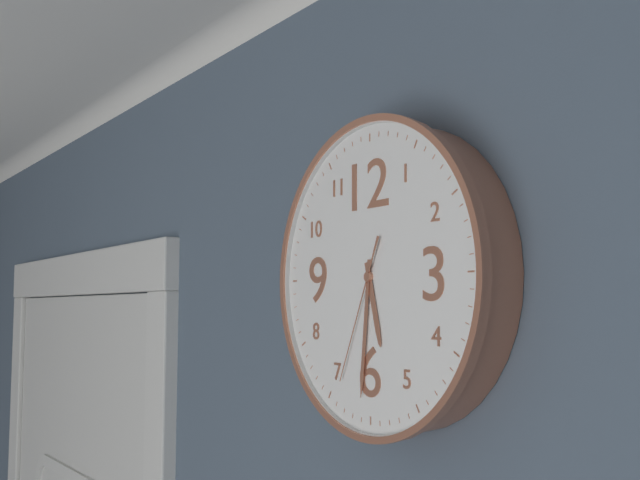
5:31:34
